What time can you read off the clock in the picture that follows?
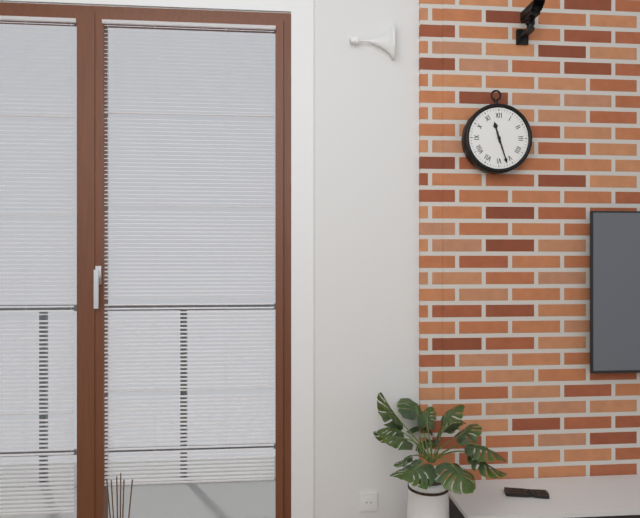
11:27
